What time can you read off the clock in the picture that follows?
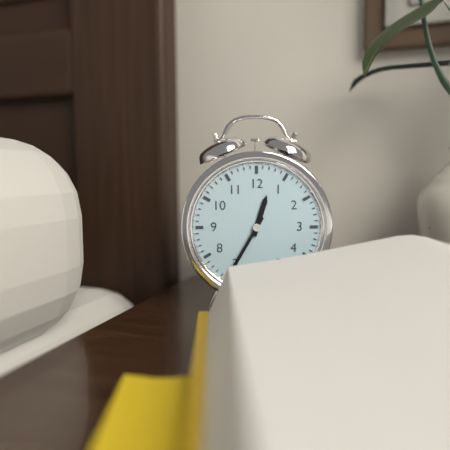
12:35
